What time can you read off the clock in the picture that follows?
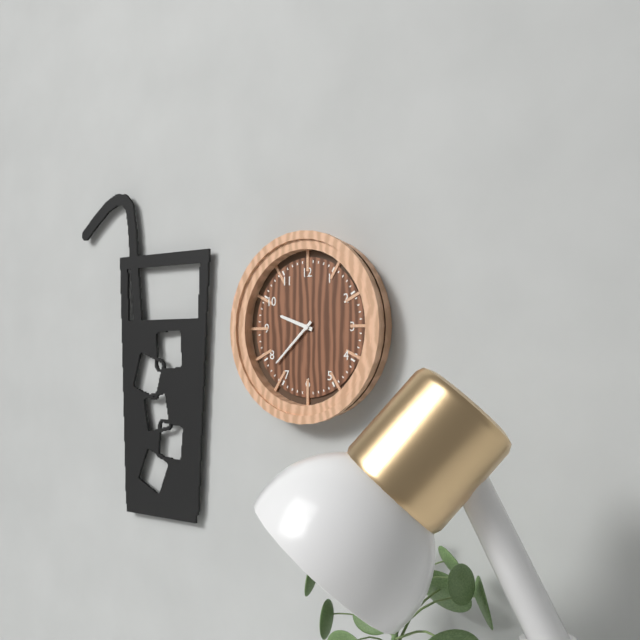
9:38
